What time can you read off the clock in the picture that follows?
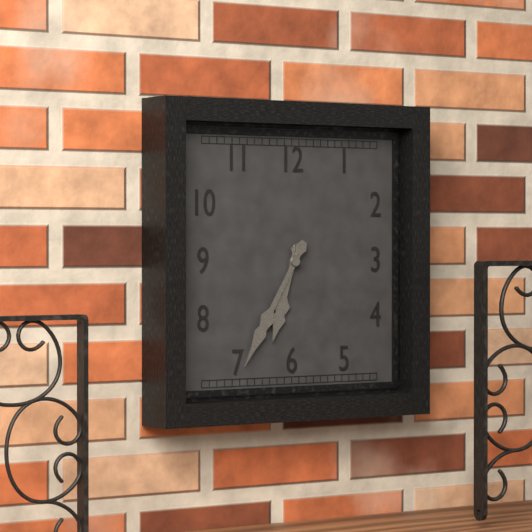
6:35
